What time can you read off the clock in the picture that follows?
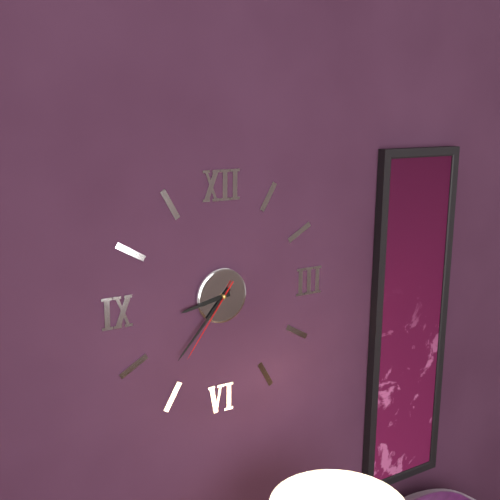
8:37:36
